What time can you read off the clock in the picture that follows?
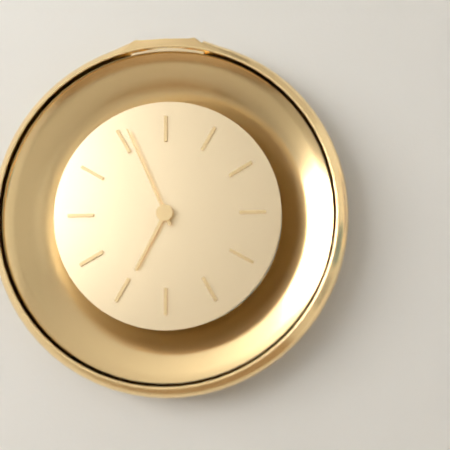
6:56
